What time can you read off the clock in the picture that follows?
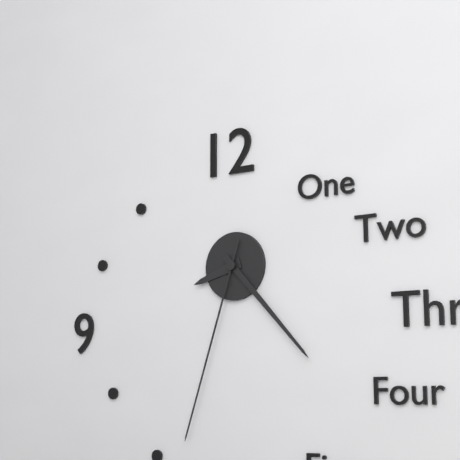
8:23:33
